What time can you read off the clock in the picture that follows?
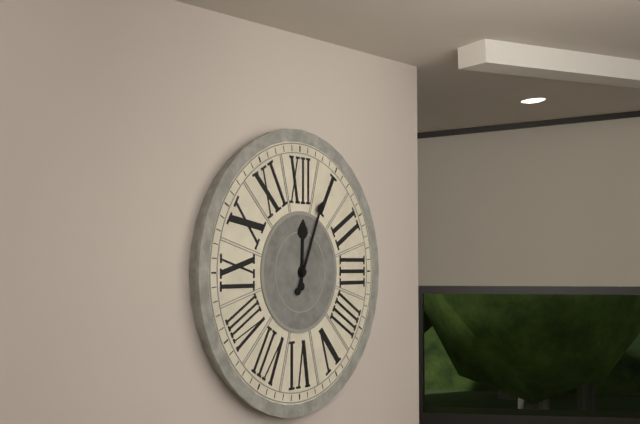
12:04
